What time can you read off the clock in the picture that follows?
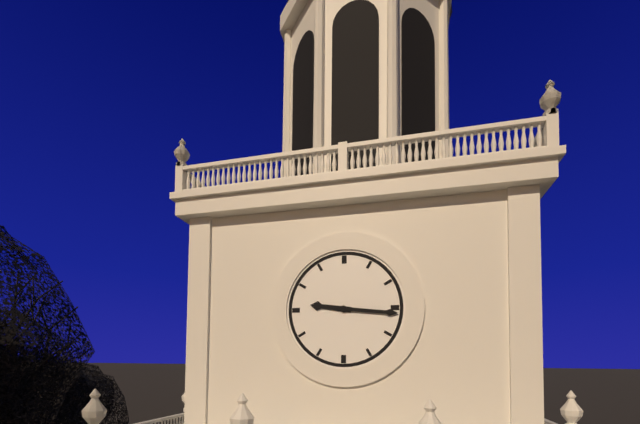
9:16
